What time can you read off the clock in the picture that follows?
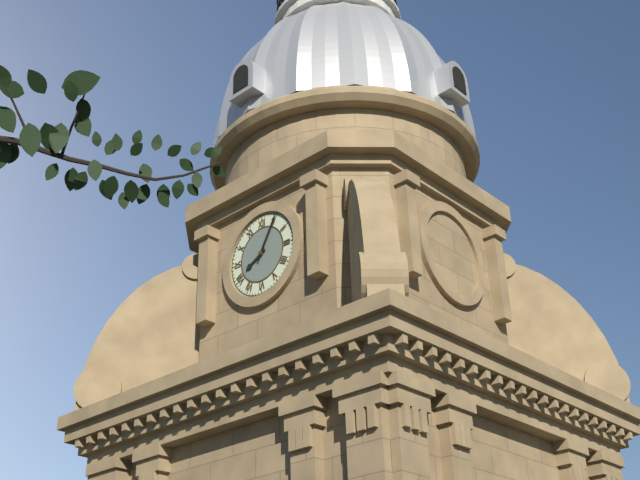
8:05
